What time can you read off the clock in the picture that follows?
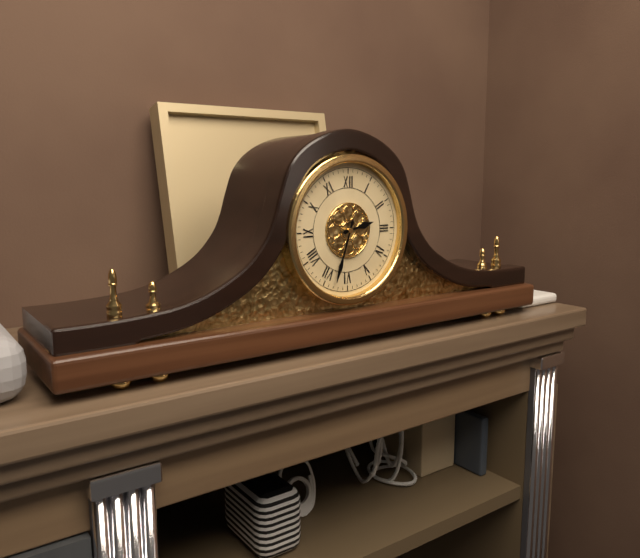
2:33
